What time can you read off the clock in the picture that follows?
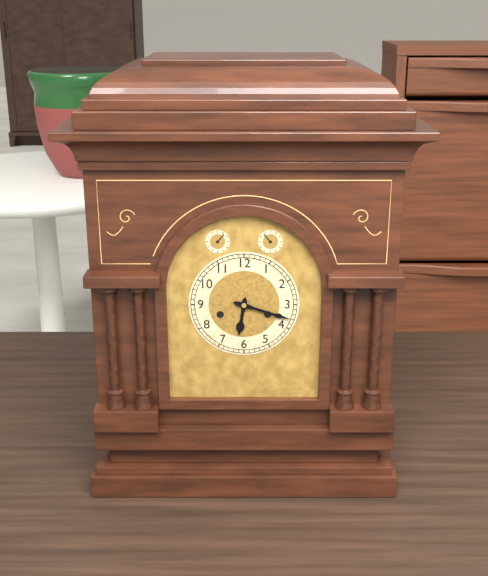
6:18
